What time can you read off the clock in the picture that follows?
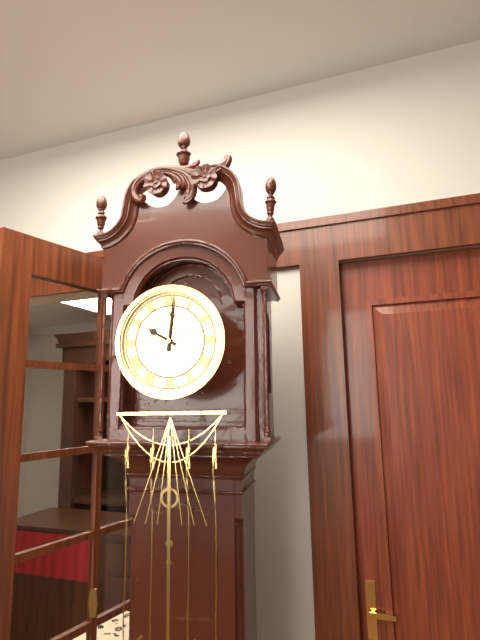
10:01
